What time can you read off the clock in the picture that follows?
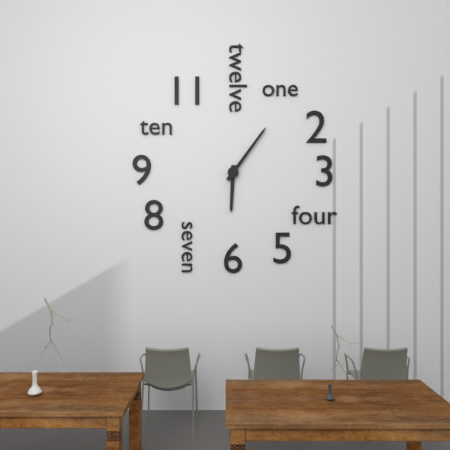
6:06
